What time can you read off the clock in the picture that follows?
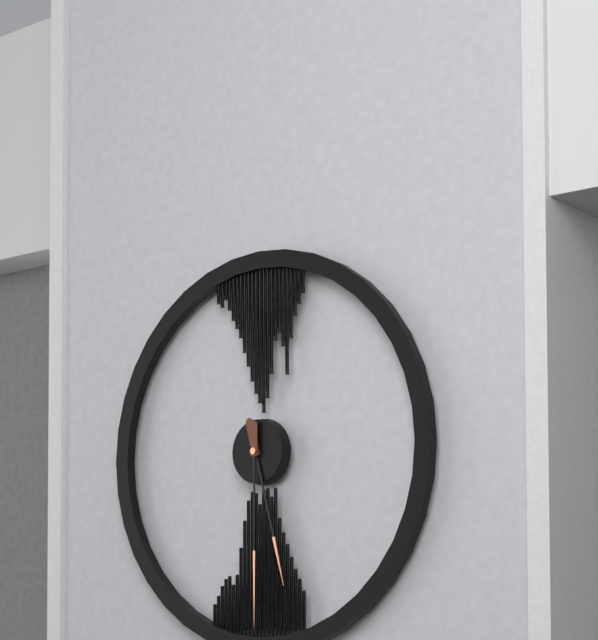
5:30
